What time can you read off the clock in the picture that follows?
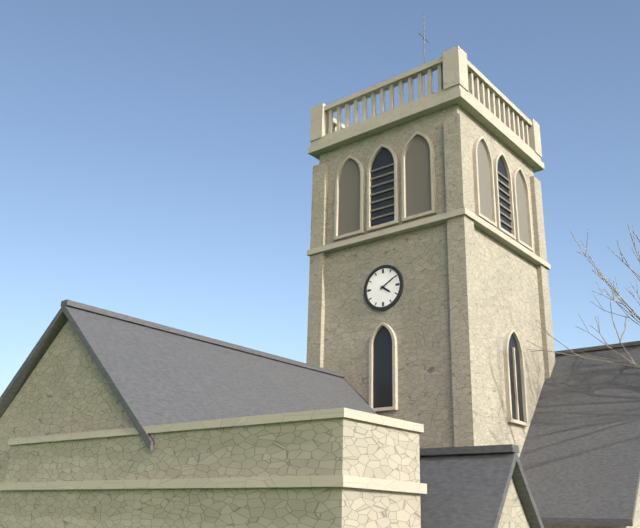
4:10
